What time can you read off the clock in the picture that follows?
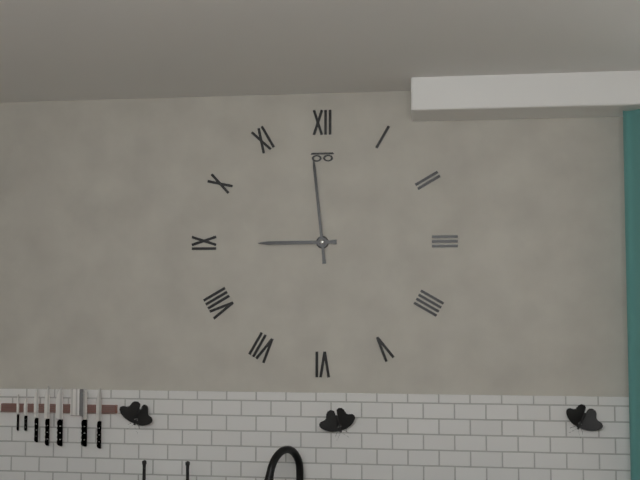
8:59
